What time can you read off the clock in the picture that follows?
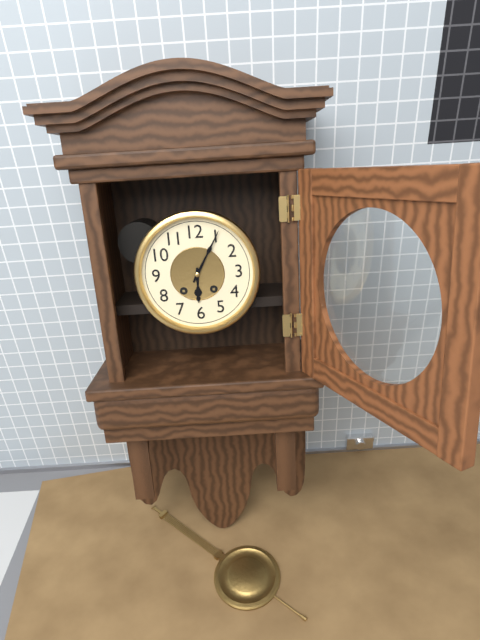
6:05
